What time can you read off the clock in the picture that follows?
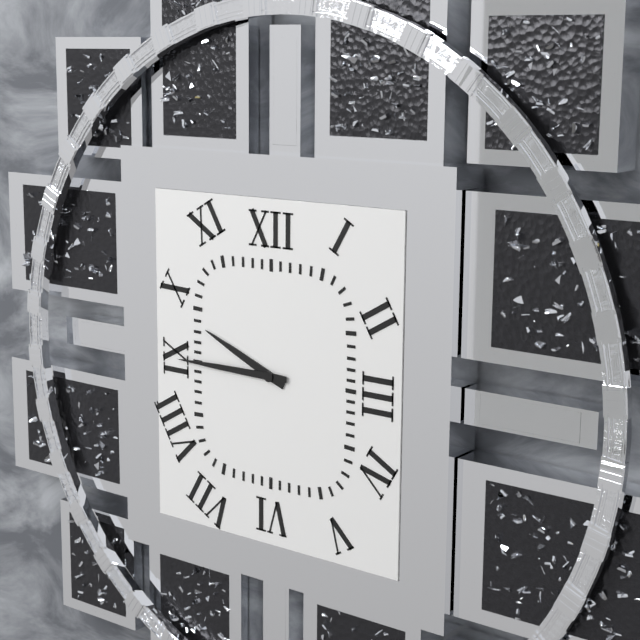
9:45
